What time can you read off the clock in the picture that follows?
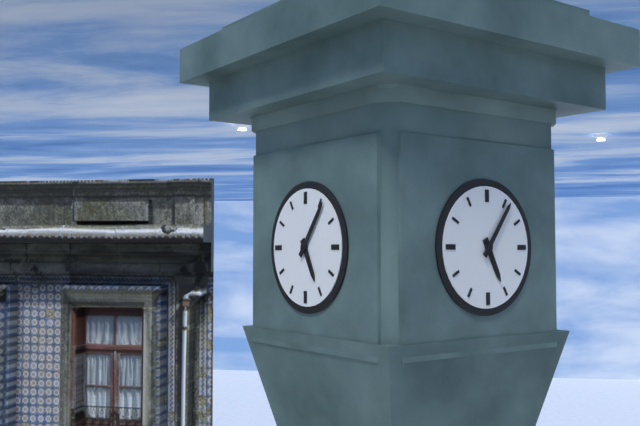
5:06
